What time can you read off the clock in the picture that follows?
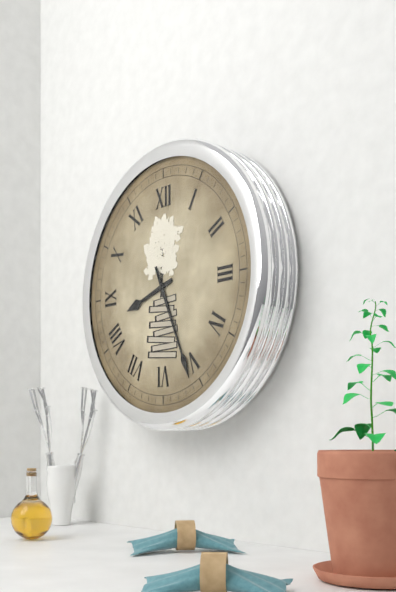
8:26
